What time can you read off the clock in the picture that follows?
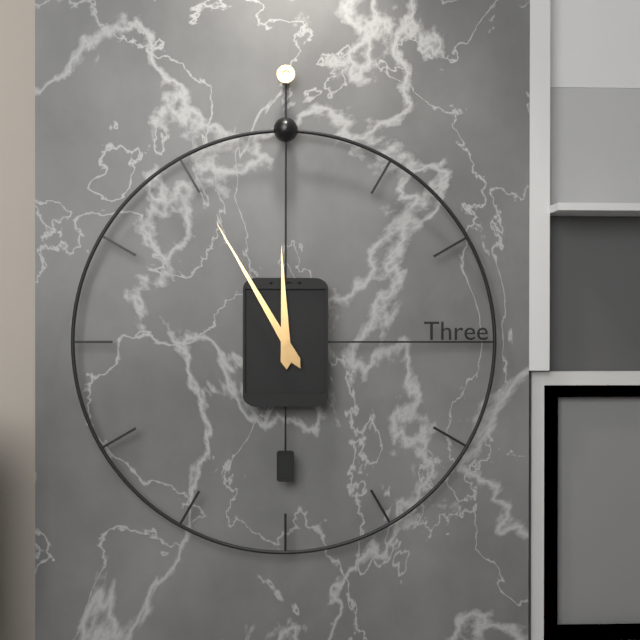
11:55
